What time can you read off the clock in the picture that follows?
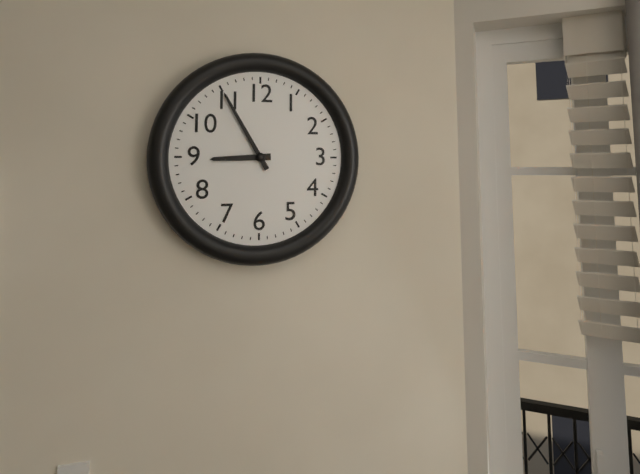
8:55
